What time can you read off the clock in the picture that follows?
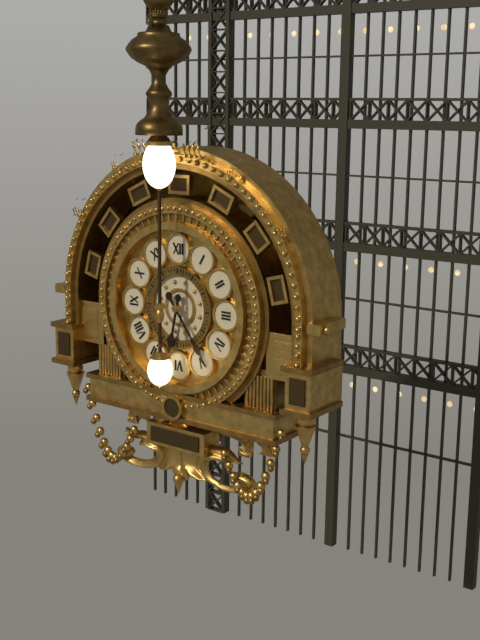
6:24
